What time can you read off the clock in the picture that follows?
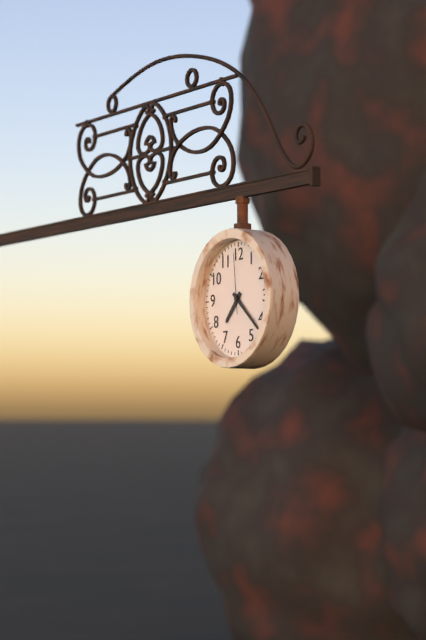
7:22:59
